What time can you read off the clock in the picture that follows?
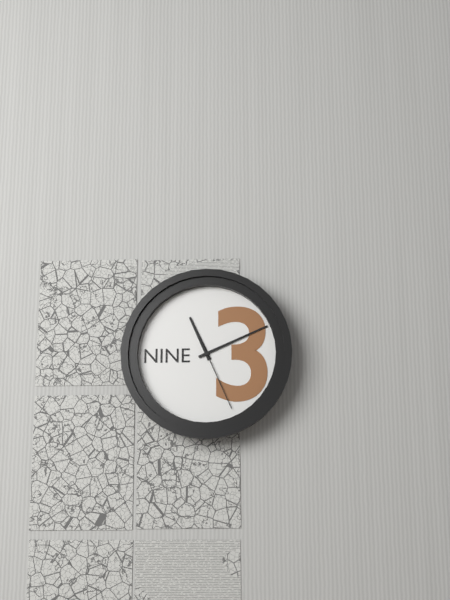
11:11:26
